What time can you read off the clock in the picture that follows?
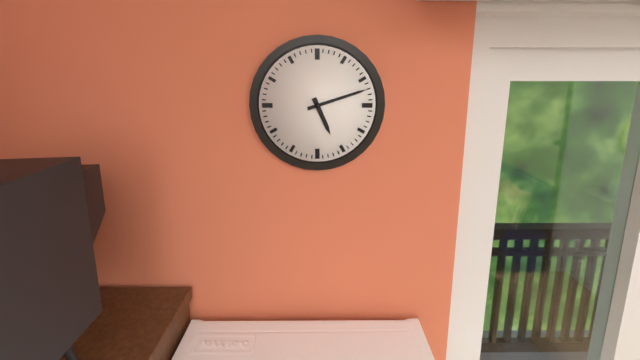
5:12
